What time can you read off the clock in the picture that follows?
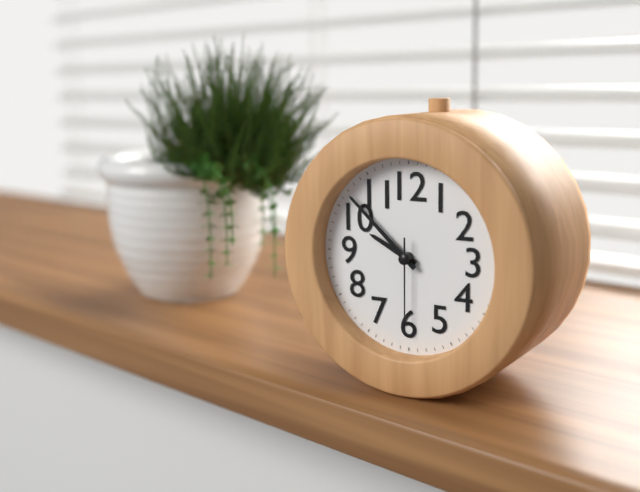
9:52:30
